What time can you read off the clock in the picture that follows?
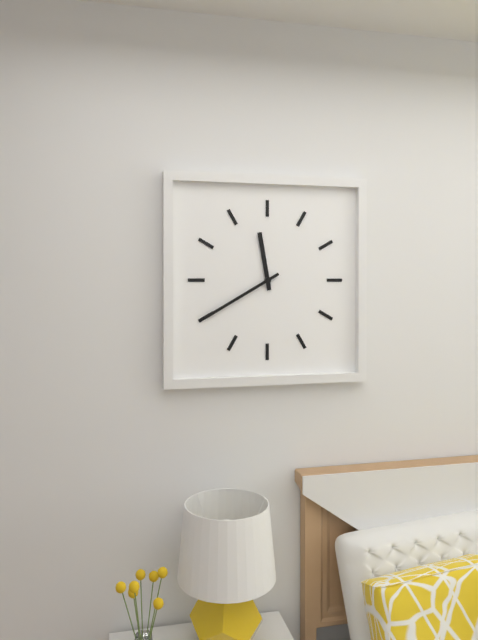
11:40
